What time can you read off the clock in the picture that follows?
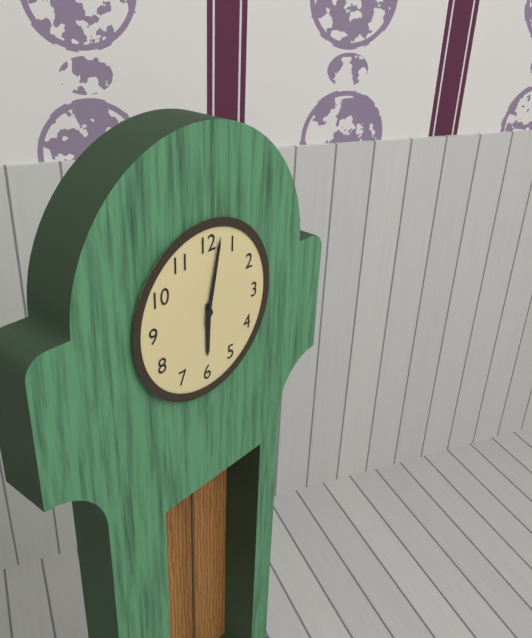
6:02
